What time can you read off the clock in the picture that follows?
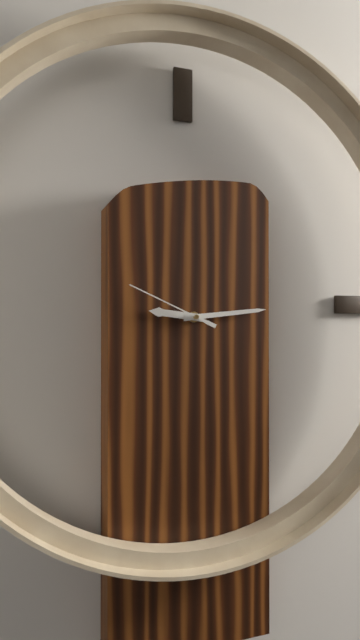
9:14:49
